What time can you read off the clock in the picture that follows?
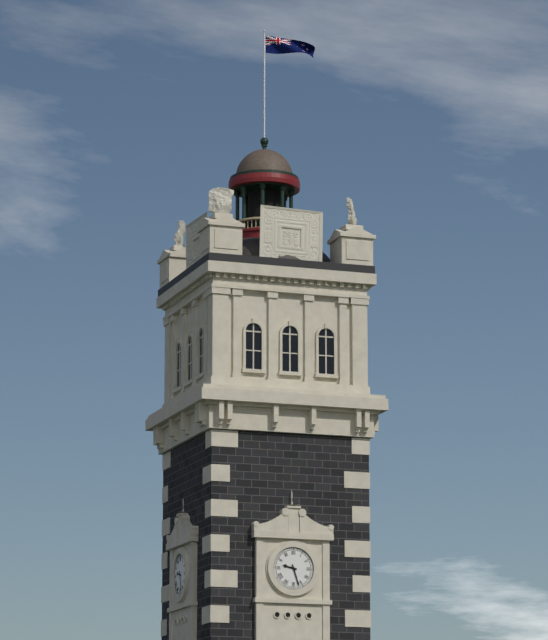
9:27
